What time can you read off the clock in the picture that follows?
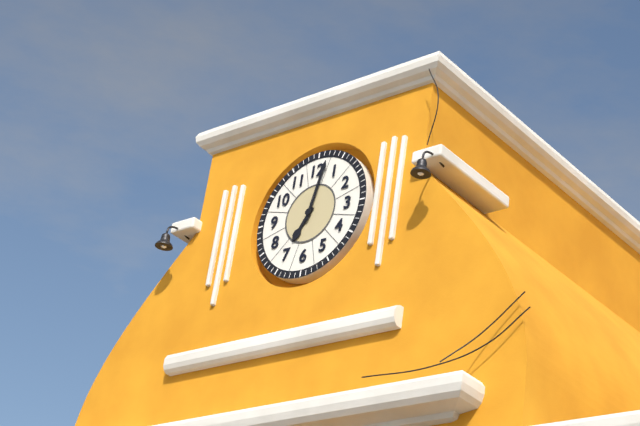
7:02
